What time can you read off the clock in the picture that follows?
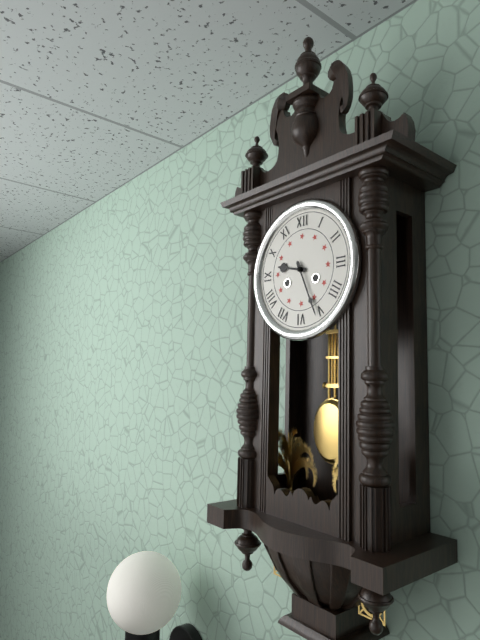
9:26
